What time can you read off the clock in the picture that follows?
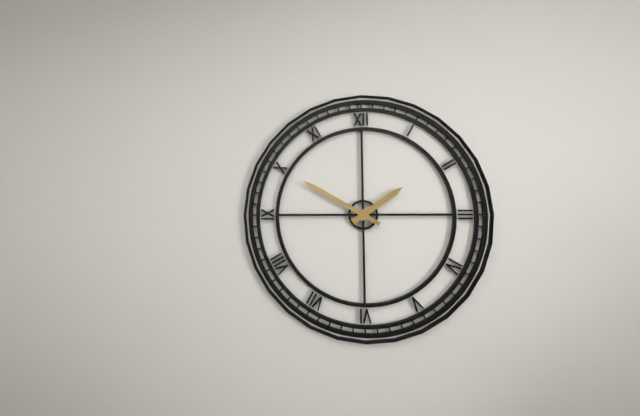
1:50
